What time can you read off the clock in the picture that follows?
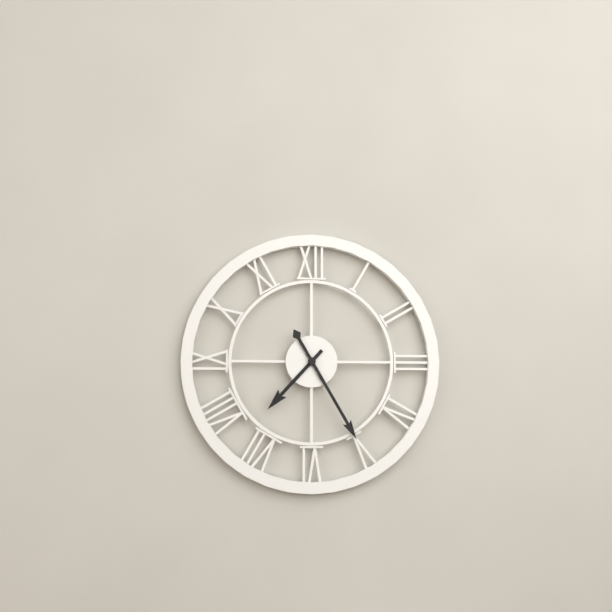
7:25
